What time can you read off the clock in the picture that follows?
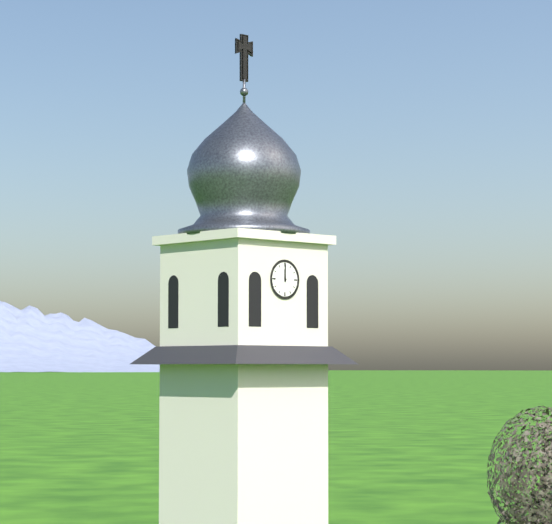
12:00
